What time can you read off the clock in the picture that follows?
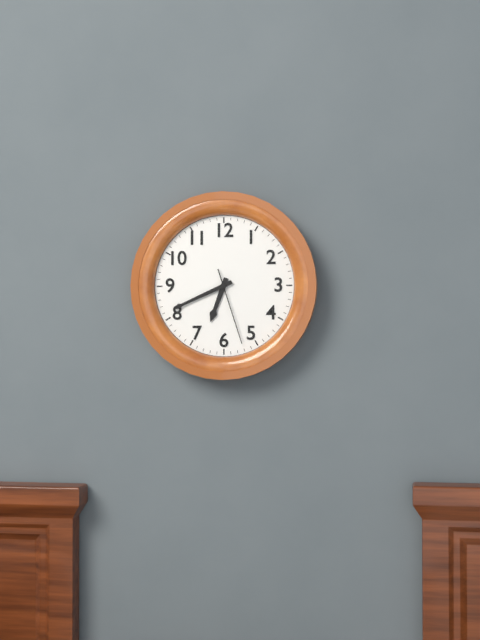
6:41:27
